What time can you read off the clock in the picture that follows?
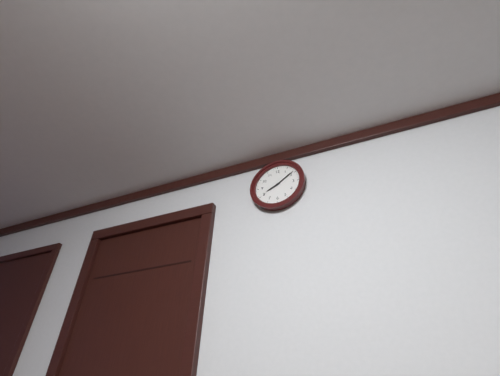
8:09
